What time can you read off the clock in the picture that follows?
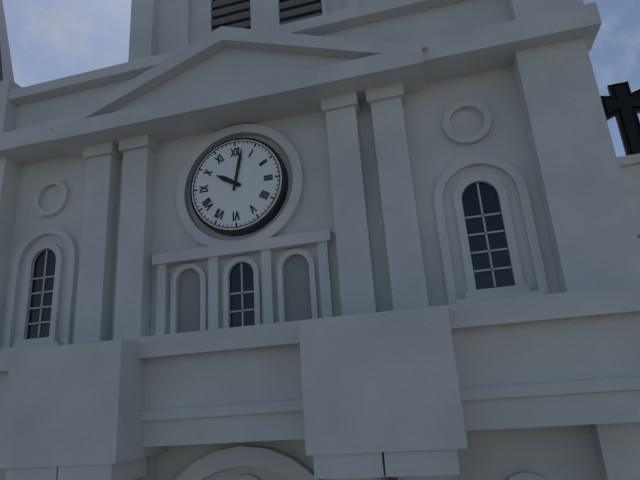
10:02
